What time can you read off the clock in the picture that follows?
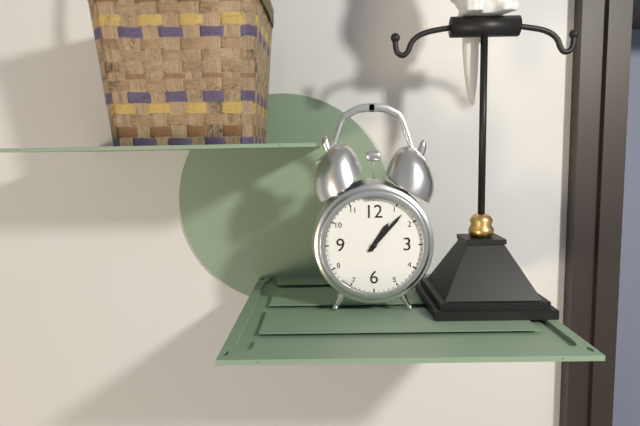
1:07
